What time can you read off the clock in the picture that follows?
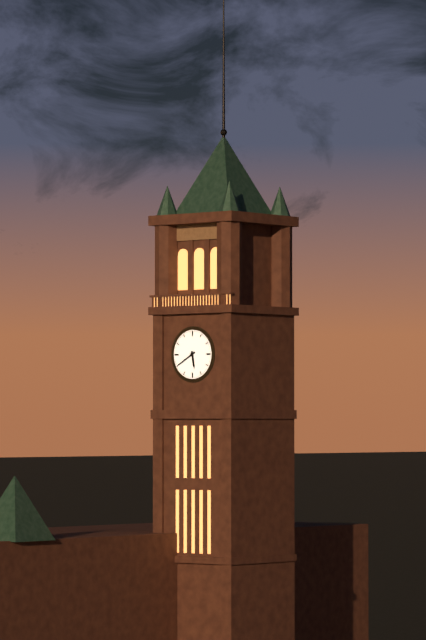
5:40
